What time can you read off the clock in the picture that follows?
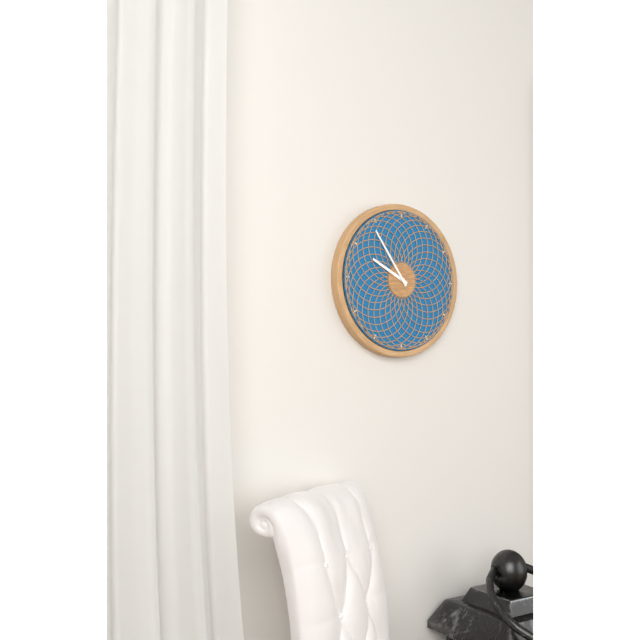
9:54
